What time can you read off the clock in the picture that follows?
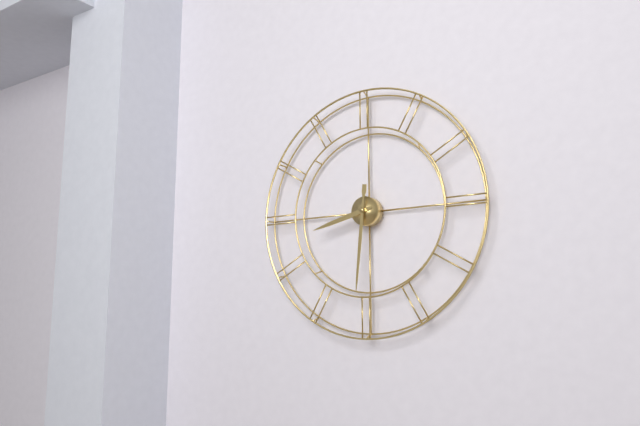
8:31
